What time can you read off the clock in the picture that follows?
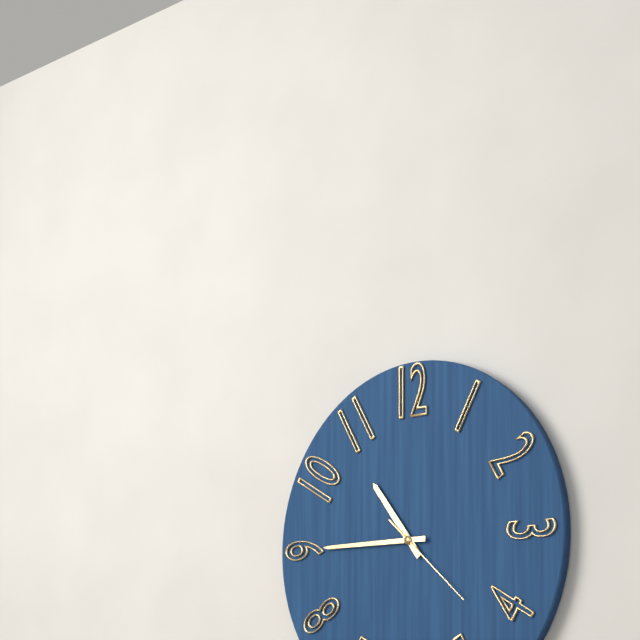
10:45:22
